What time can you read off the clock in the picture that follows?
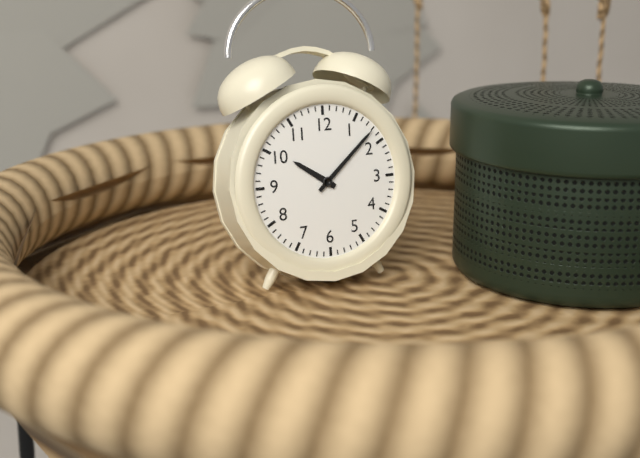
10:08
